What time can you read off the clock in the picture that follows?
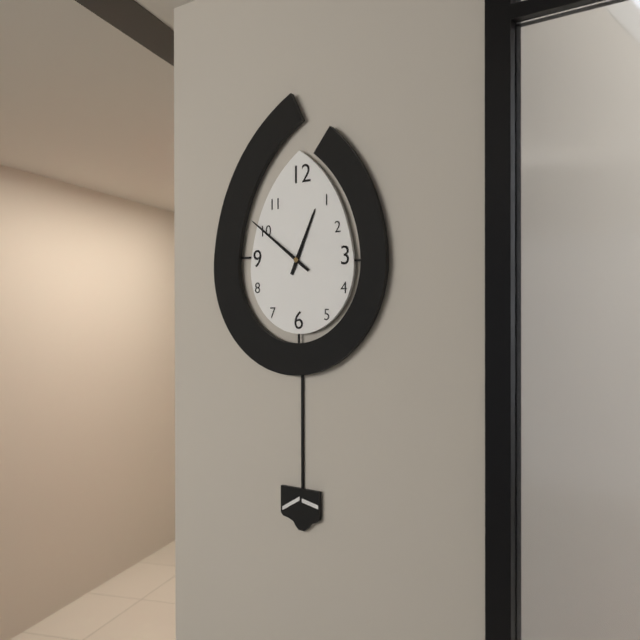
12:51
